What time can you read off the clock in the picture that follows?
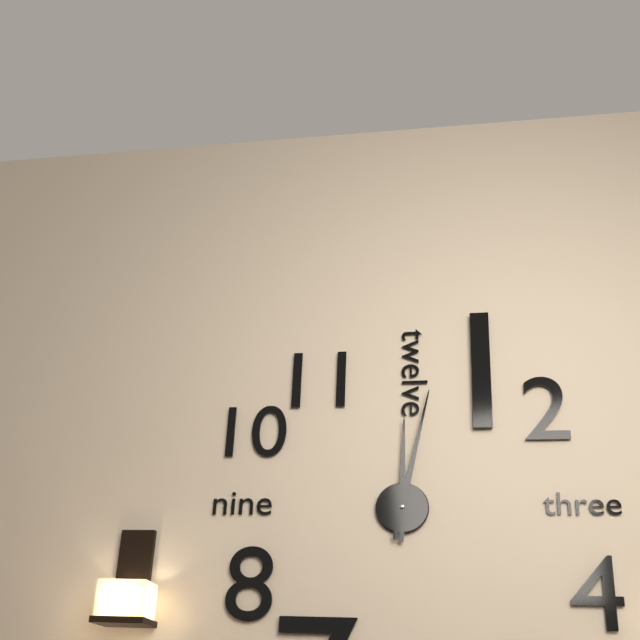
12:02
